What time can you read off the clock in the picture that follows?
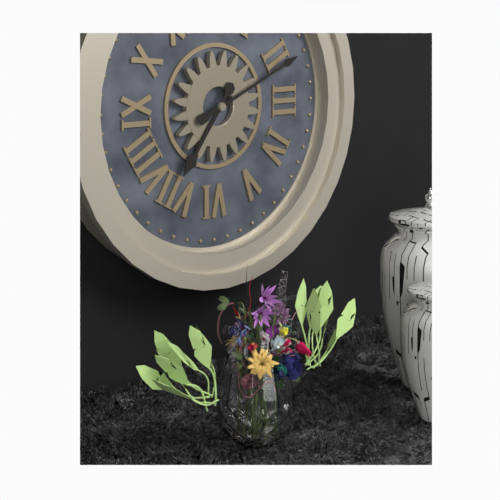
7:11
